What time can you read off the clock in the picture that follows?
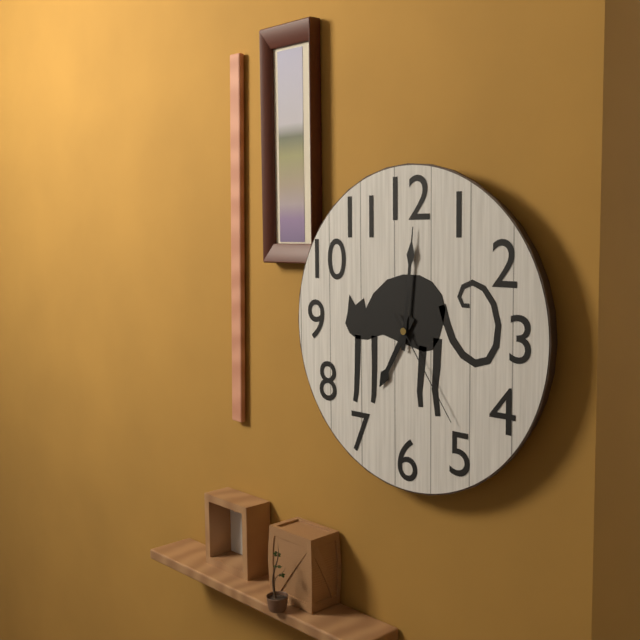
7:01:24
